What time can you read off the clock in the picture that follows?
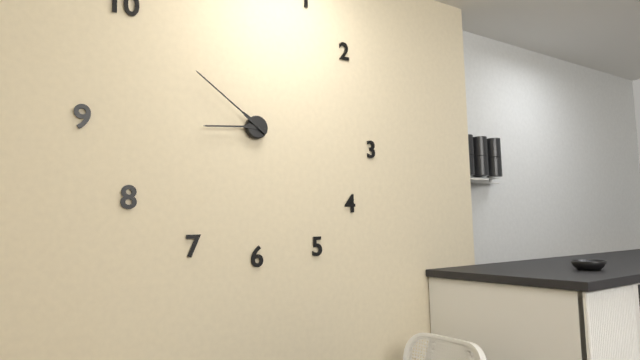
8:51
